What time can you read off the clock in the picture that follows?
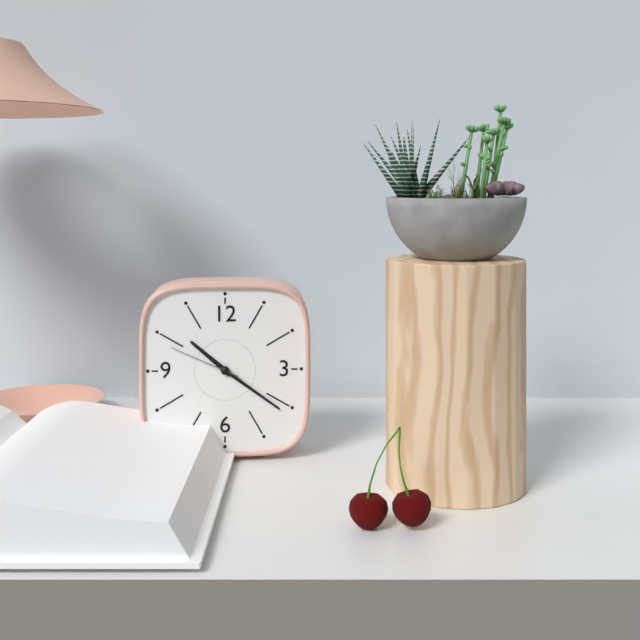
10:21:49
